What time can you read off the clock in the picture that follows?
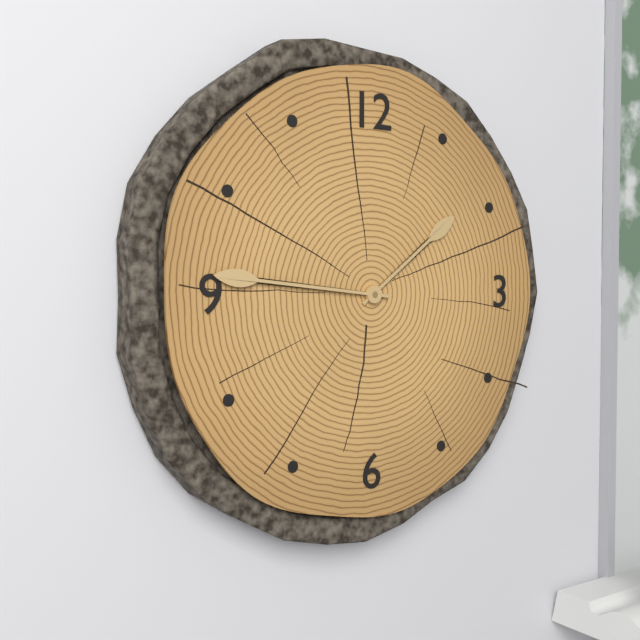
1:46
